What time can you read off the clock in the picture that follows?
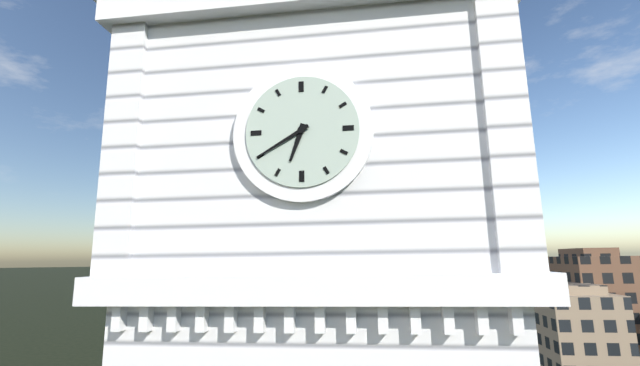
6:40
